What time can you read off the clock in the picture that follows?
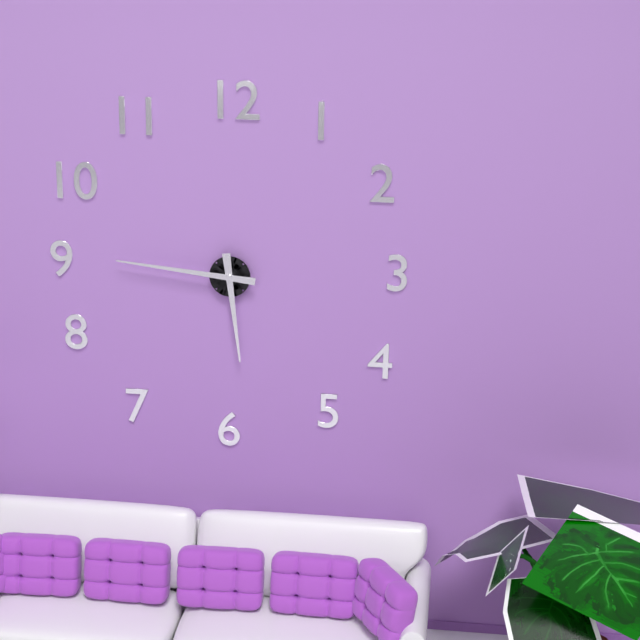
5:46
